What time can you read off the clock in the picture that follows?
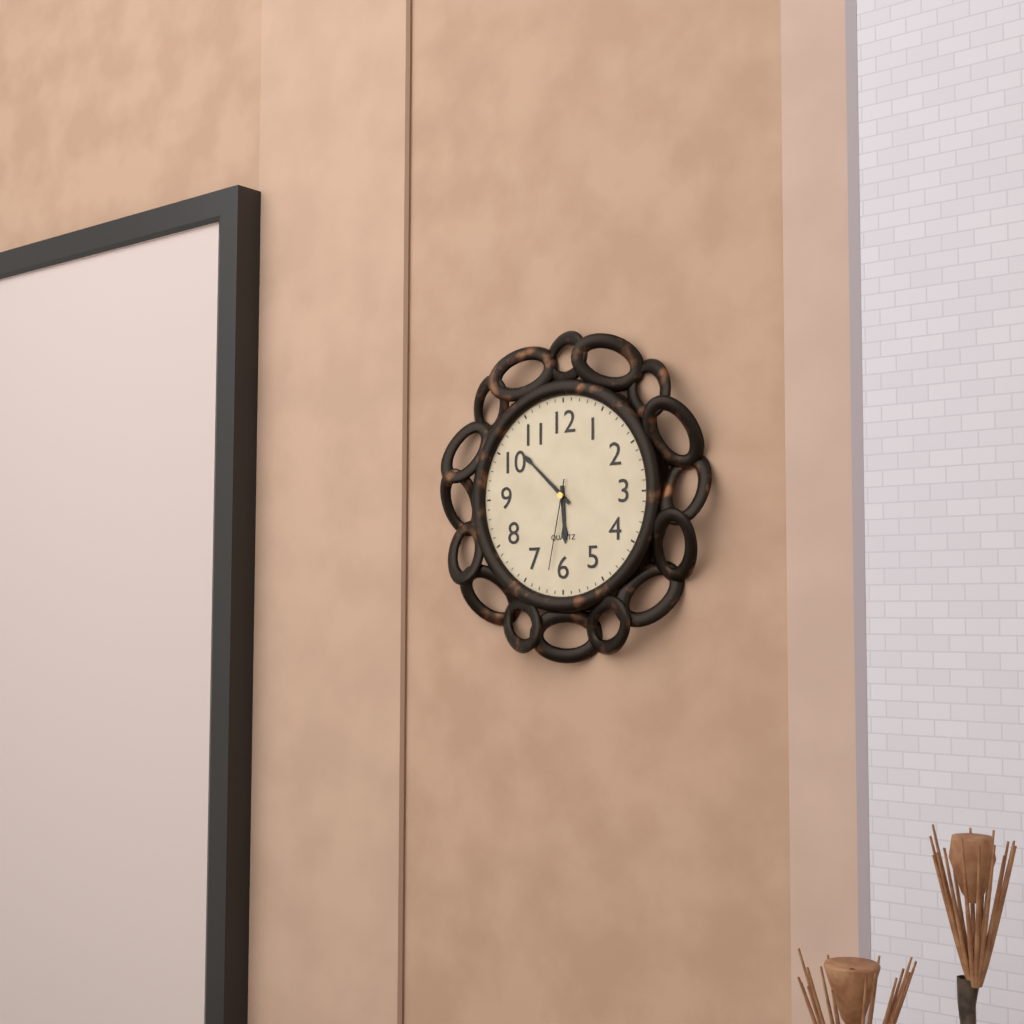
5:52:32
